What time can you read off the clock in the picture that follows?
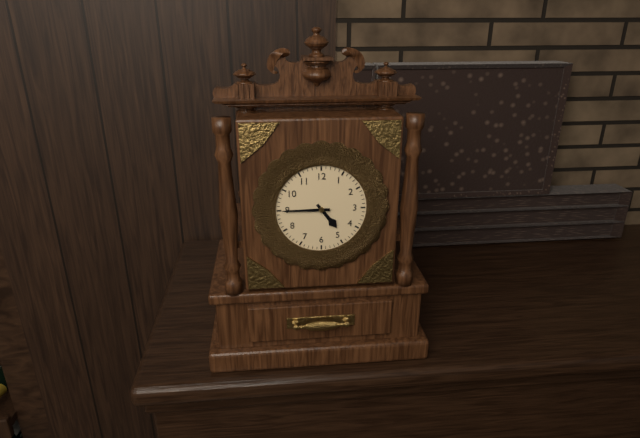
4:45
